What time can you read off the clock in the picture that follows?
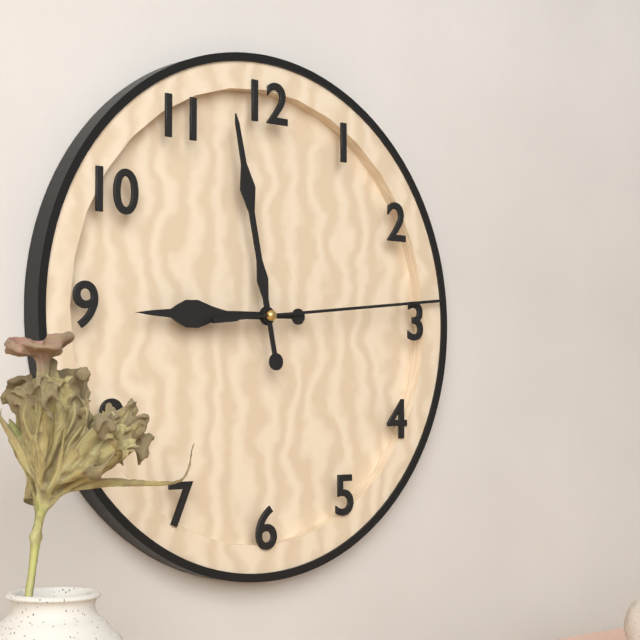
8:58:14
